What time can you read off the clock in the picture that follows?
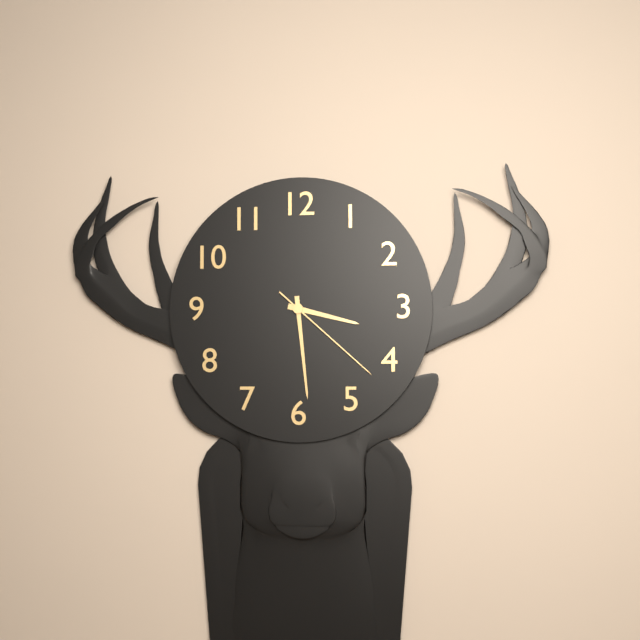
3:29:22
